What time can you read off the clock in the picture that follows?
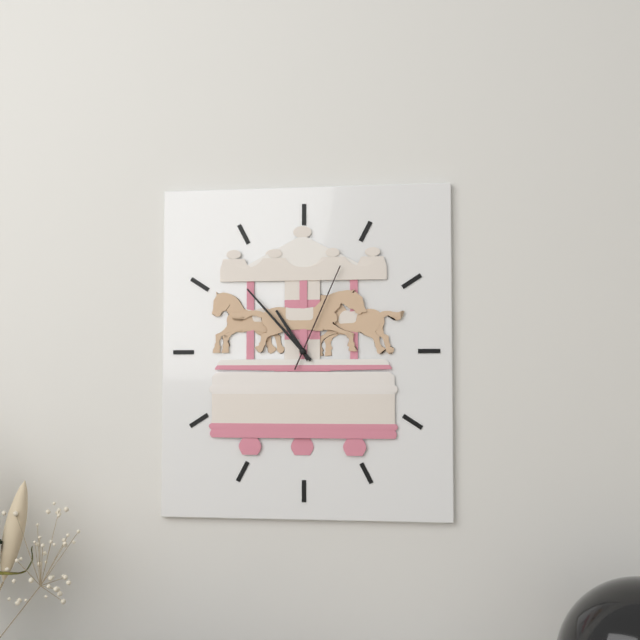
10:53:04
